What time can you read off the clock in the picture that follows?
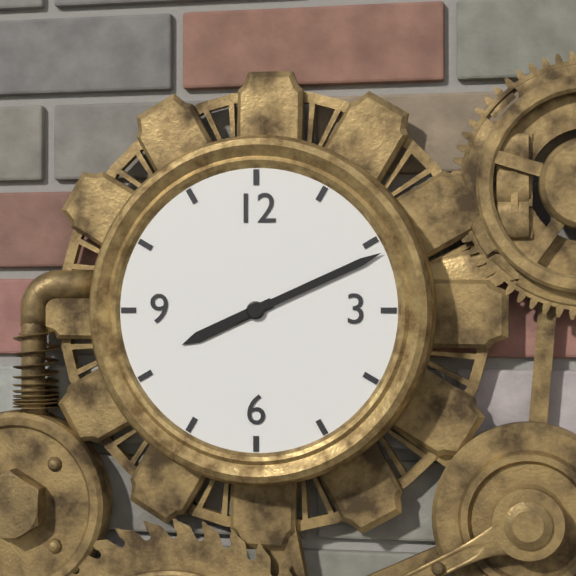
8:11
